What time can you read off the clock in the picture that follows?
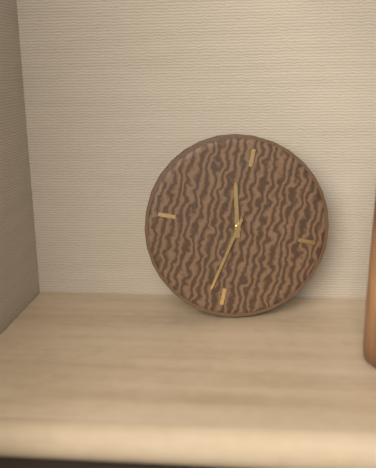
11:32
